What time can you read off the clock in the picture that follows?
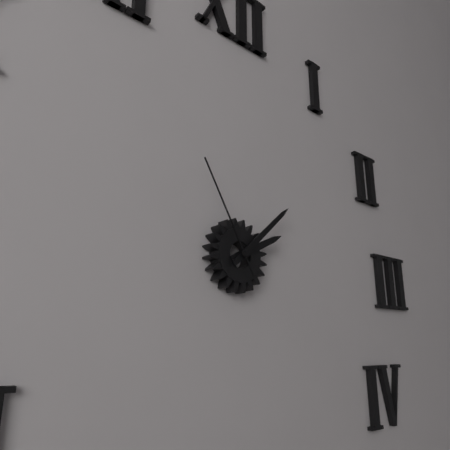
2:08:55
